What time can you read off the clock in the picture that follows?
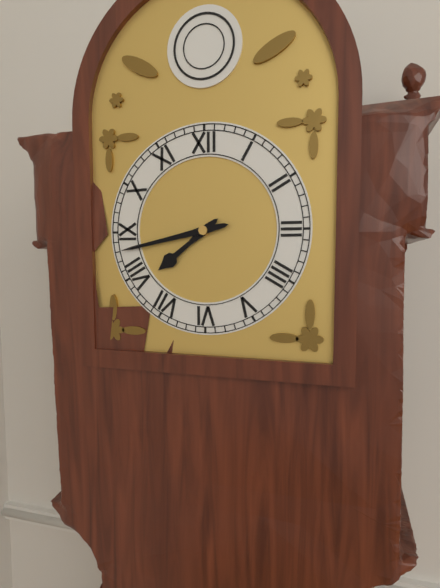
7:43
